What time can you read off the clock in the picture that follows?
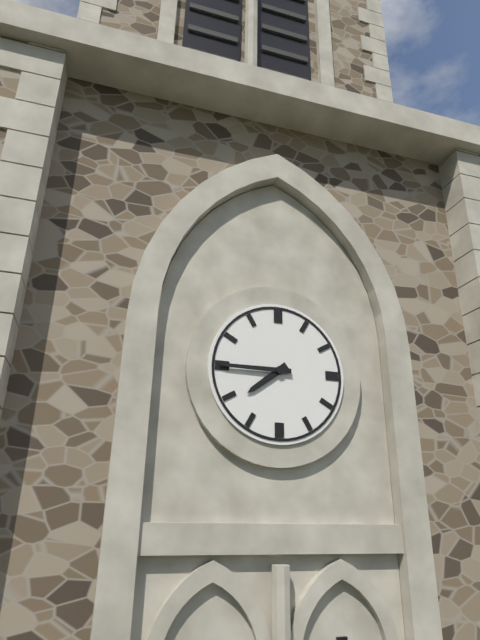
7:45
